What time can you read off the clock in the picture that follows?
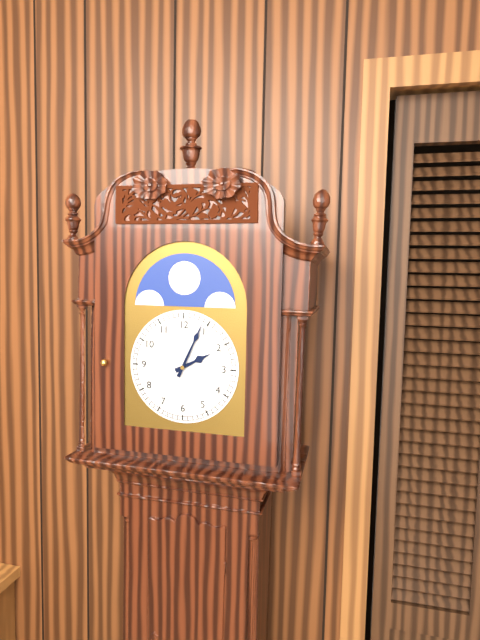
2:04
